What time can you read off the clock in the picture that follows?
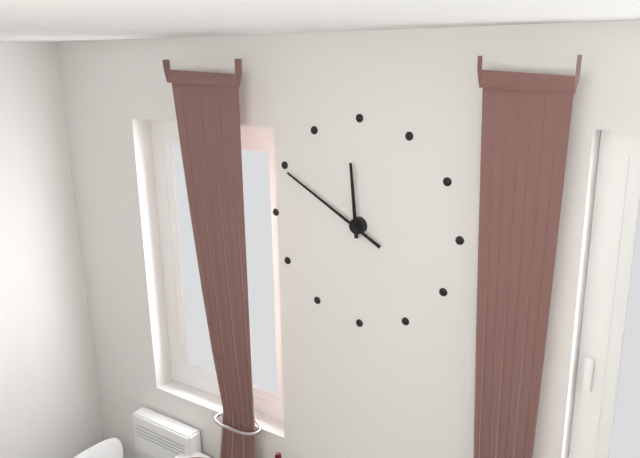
11:50
